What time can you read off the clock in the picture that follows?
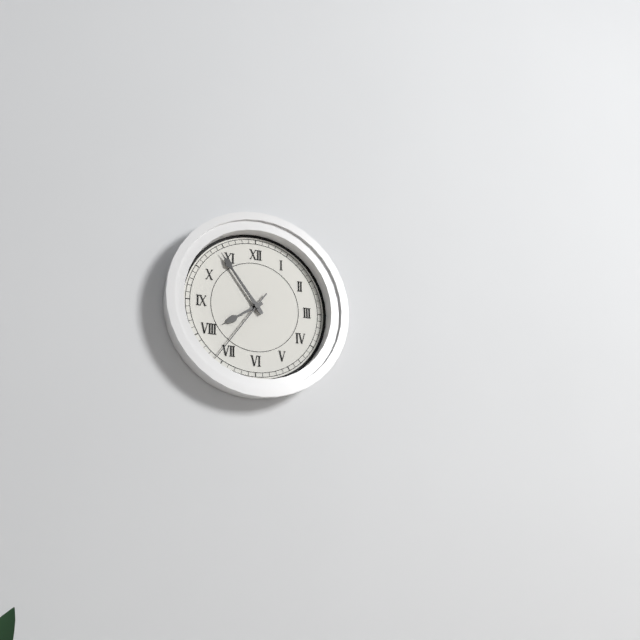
7:54:36
